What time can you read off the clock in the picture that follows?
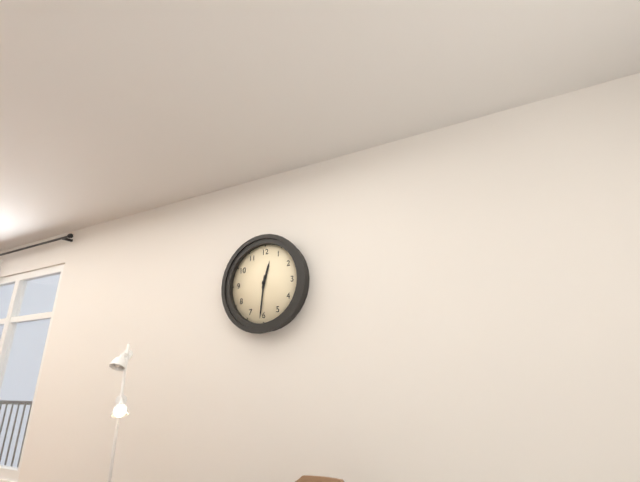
12:31
